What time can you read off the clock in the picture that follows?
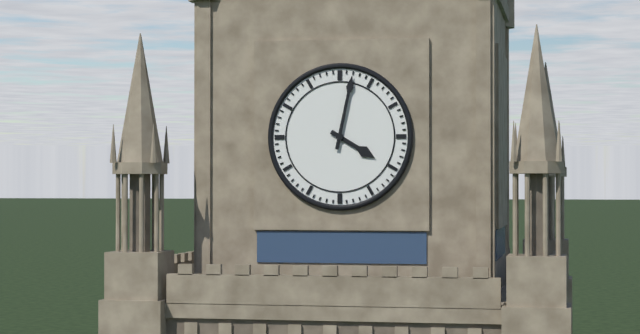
4:02
